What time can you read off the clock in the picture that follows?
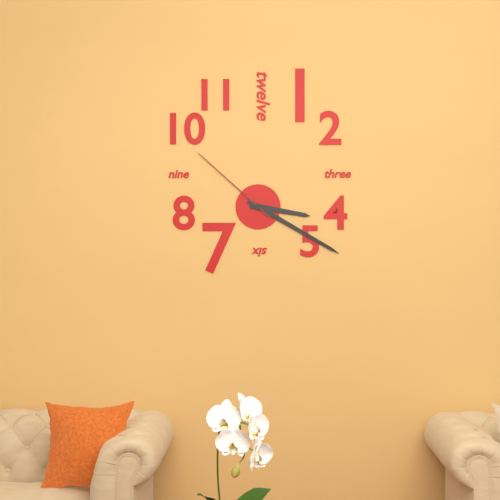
3:20:52
